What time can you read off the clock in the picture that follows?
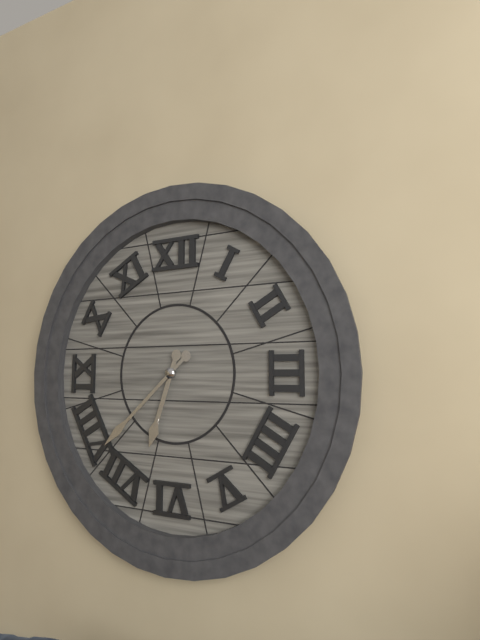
6:38
